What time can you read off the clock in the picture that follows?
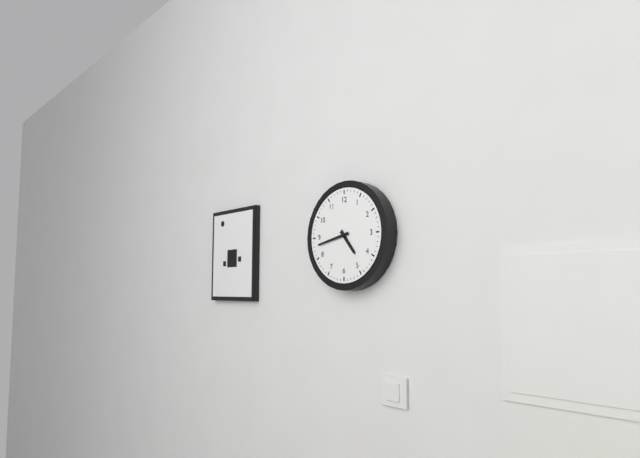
4:43
